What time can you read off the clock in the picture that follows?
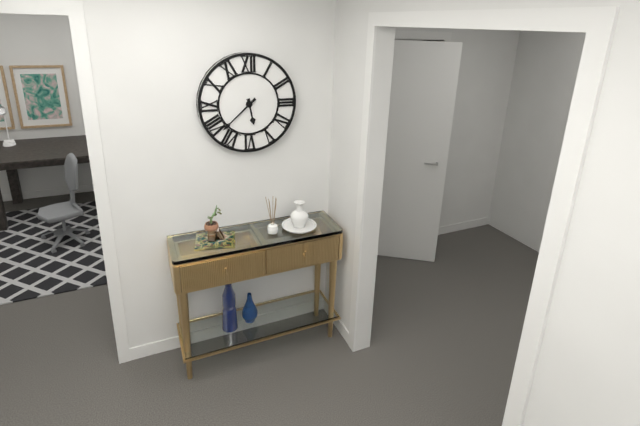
5:38
